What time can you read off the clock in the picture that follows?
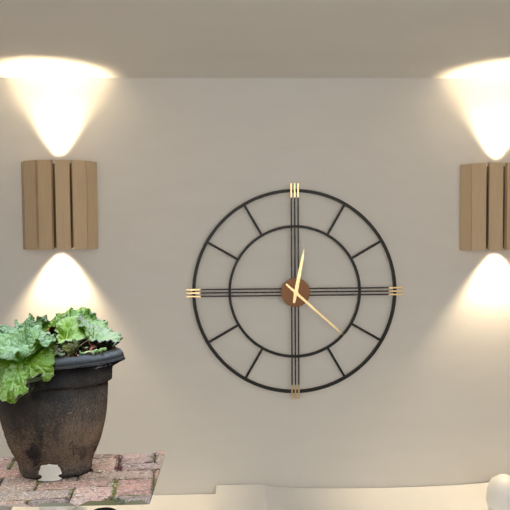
12:22
